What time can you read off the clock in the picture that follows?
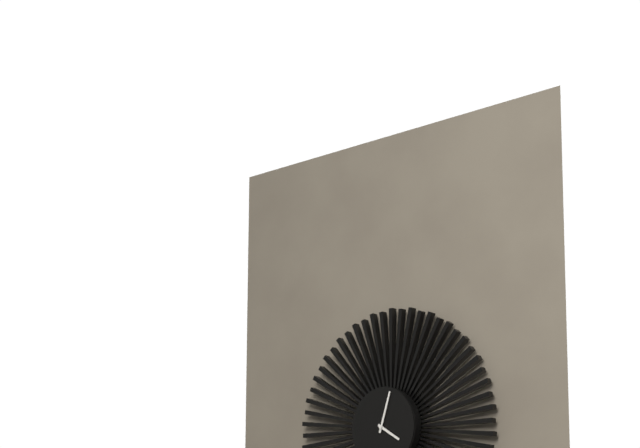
4:03
